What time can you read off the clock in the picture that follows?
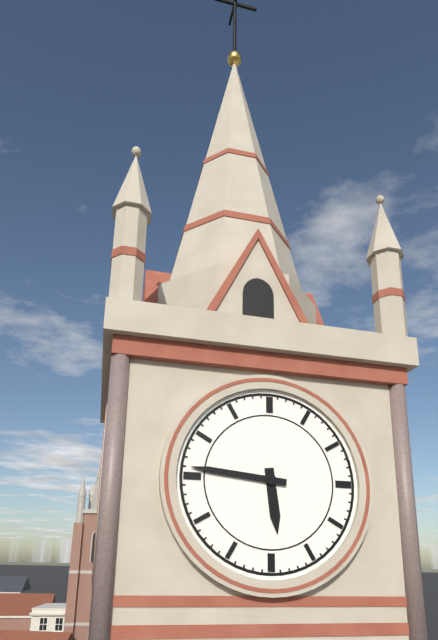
5:46
